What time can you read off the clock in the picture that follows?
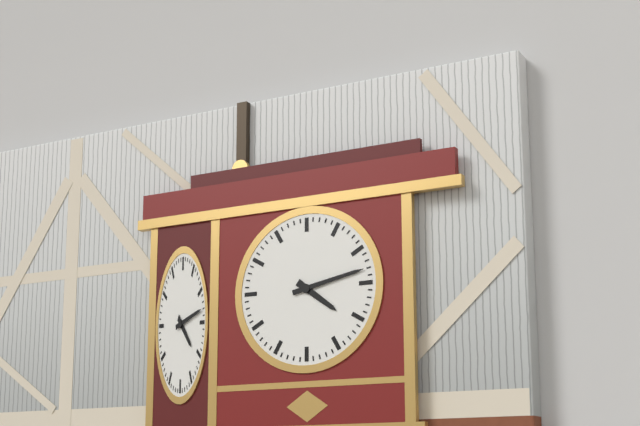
4:13
